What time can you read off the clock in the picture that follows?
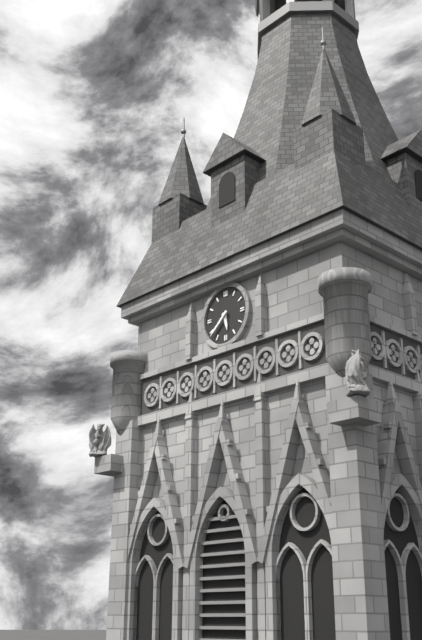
5:38
